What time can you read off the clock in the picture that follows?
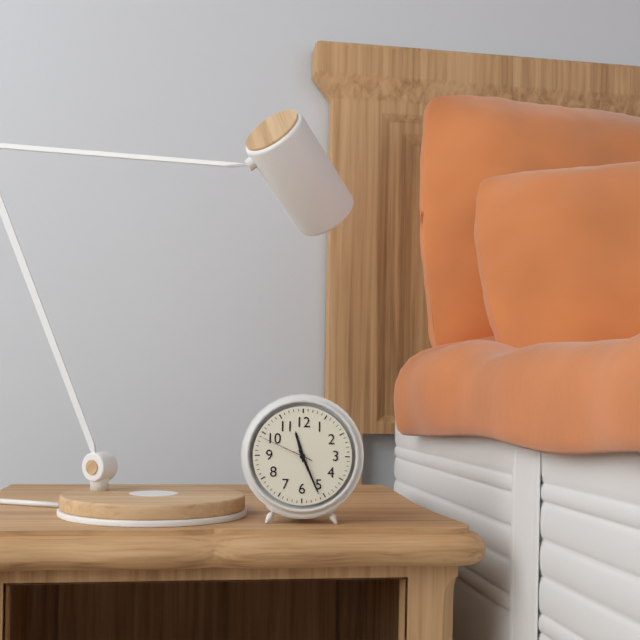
11:26:49
